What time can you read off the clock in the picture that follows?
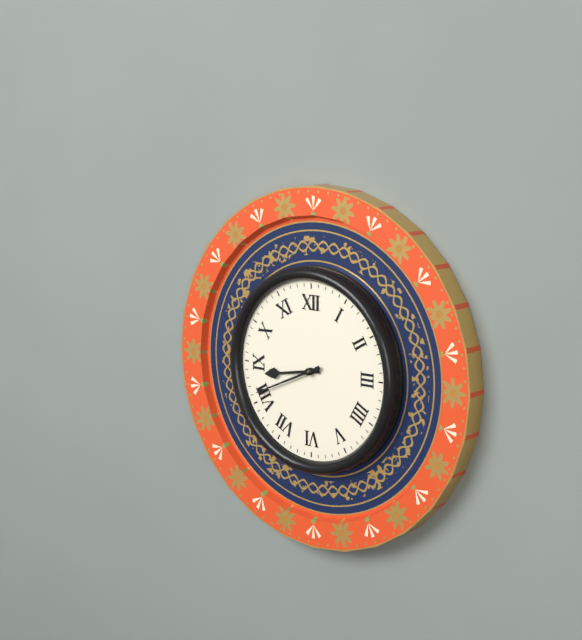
8:41
